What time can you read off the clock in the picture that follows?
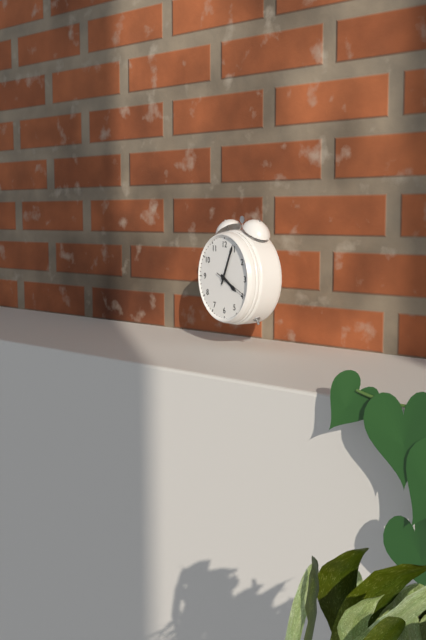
4:04
